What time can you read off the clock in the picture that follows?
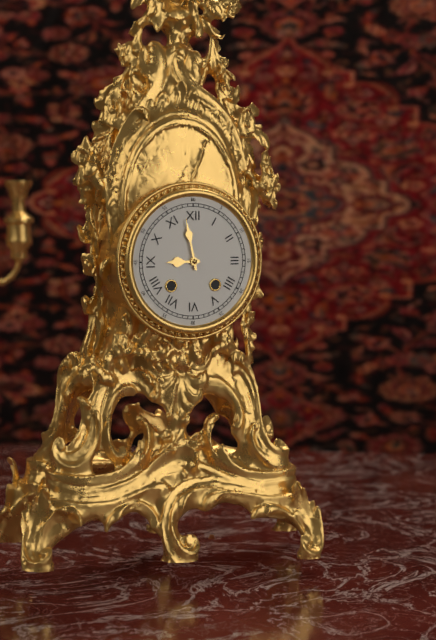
8:58
